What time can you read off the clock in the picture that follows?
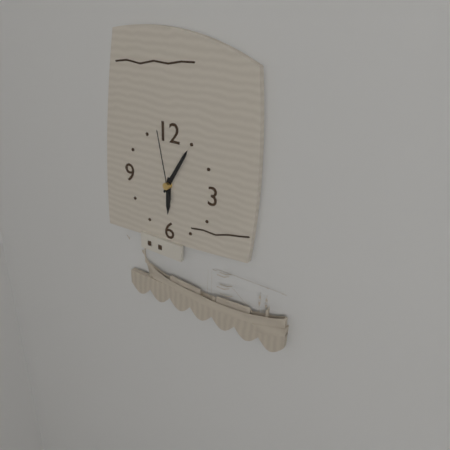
6:05:58
